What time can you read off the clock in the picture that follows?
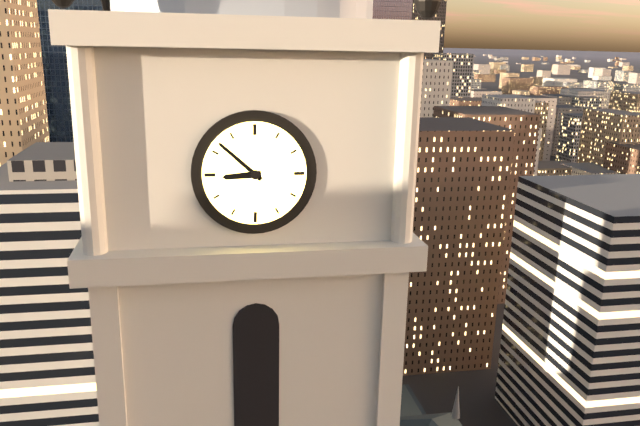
8:52
